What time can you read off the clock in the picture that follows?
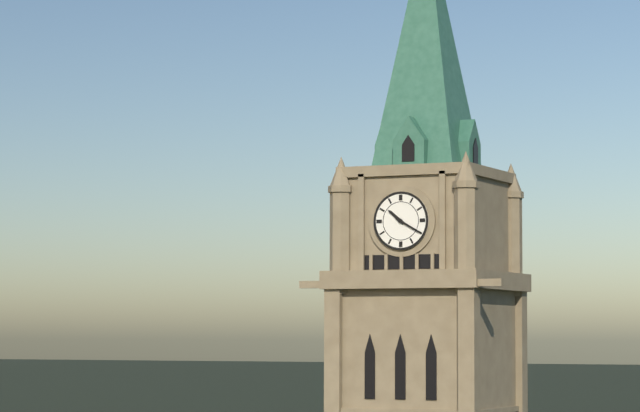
10:20
